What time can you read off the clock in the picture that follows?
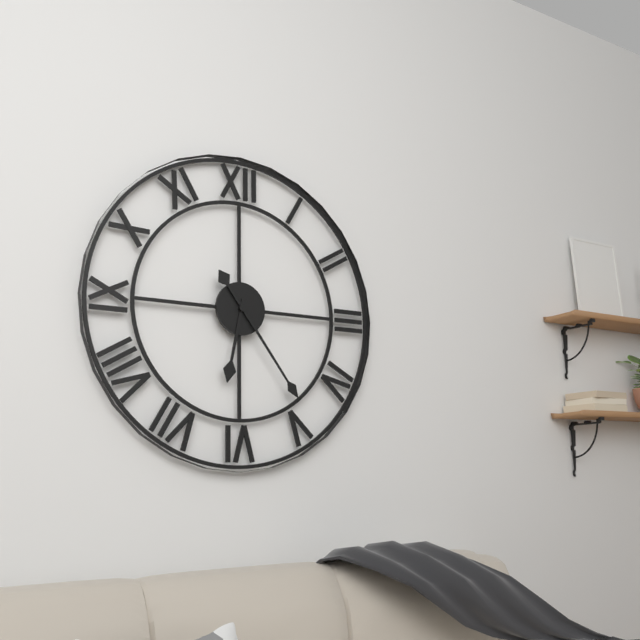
6:24
